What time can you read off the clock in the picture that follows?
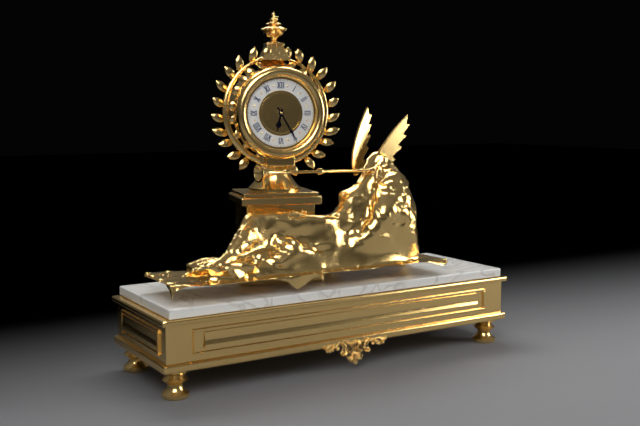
6:25
